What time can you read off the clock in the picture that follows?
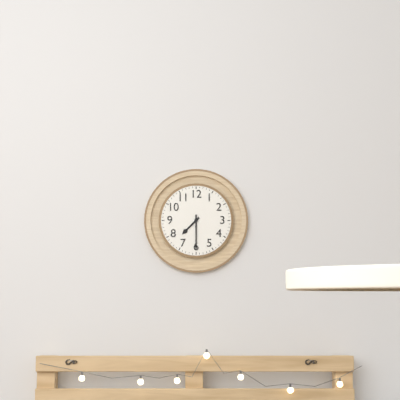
7:30
